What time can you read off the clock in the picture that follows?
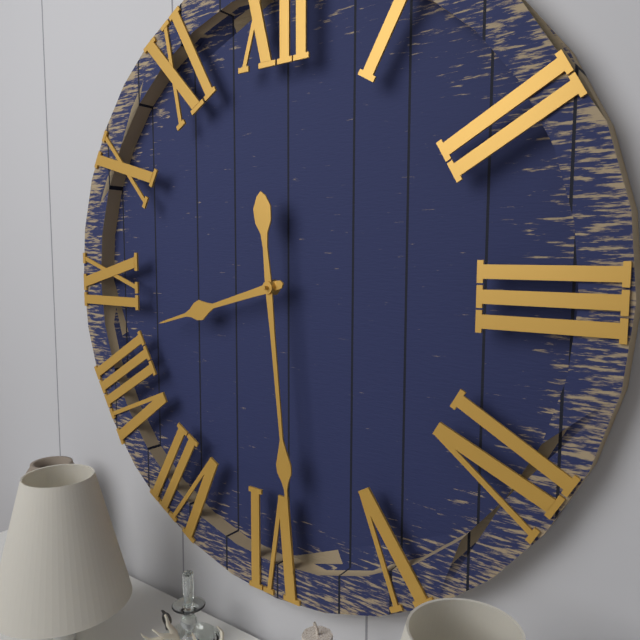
8:29
